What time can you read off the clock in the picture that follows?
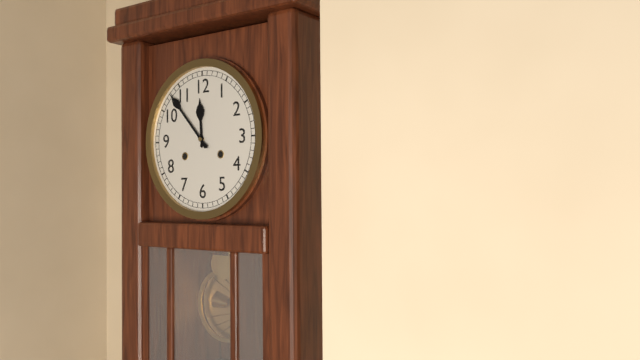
11:53
